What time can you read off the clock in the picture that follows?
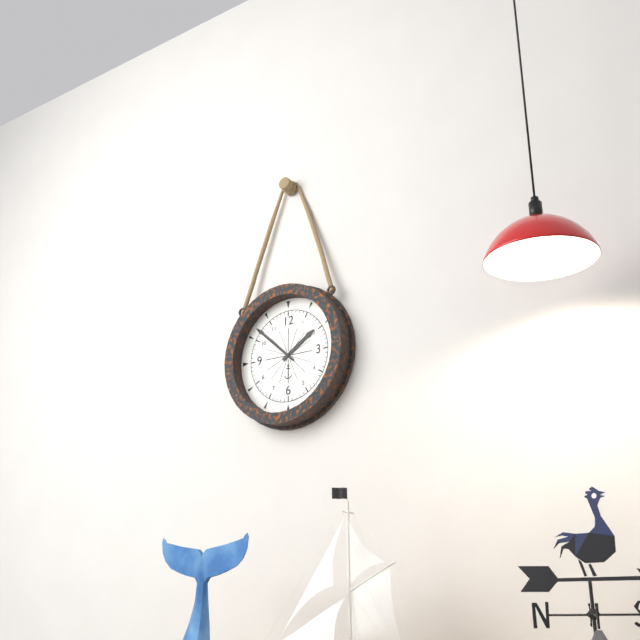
1:52
